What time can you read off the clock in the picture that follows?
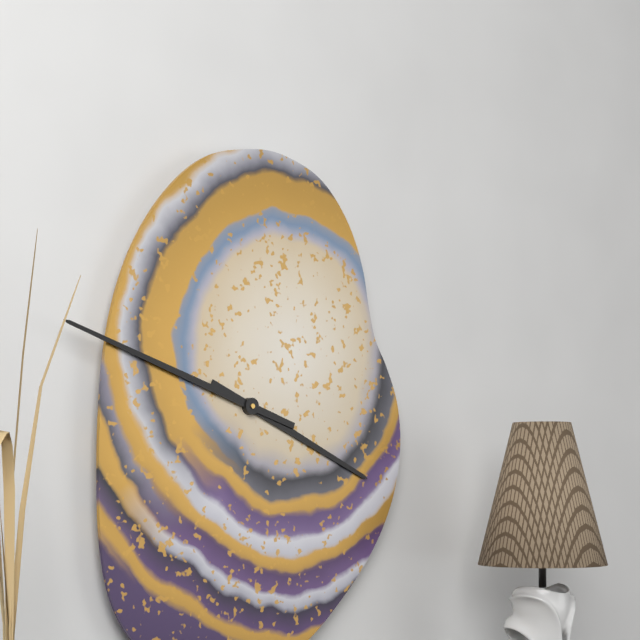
3:48
